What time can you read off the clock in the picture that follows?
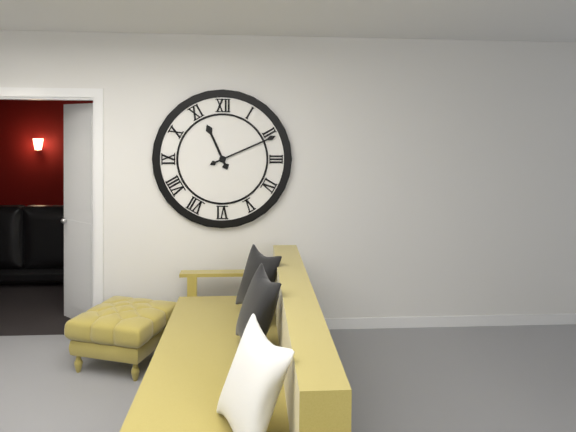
11:11
